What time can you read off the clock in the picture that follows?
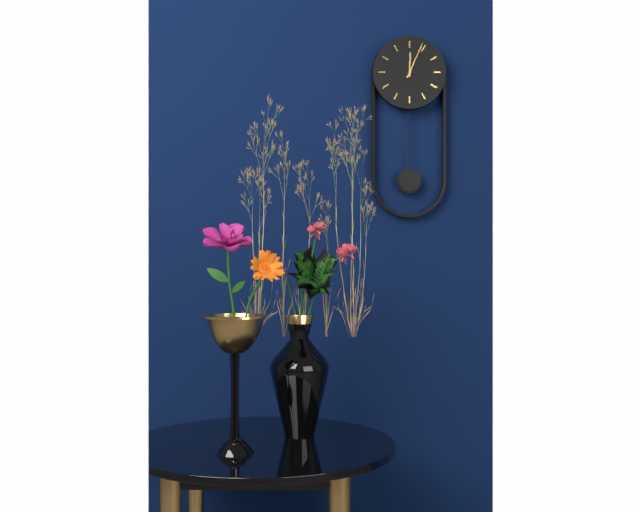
12:04
